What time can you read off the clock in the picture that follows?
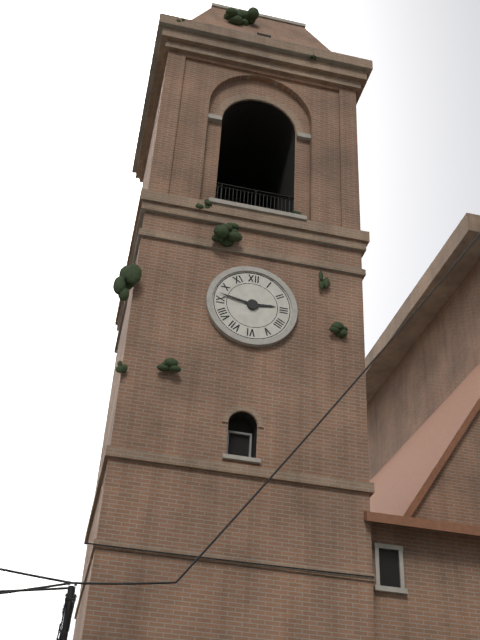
2:47
